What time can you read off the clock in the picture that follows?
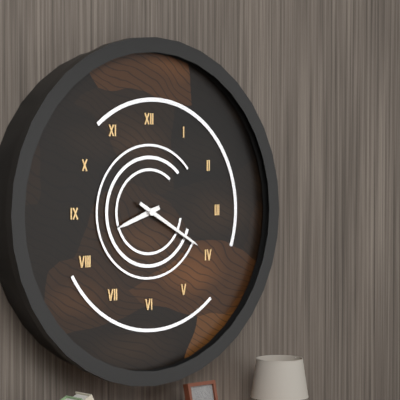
8:20
